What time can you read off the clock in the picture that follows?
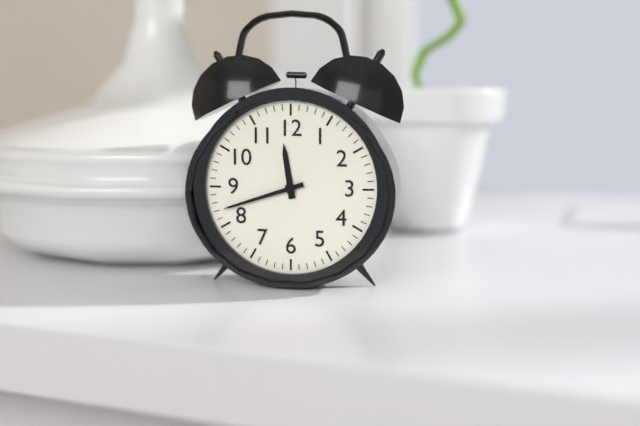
11:42
